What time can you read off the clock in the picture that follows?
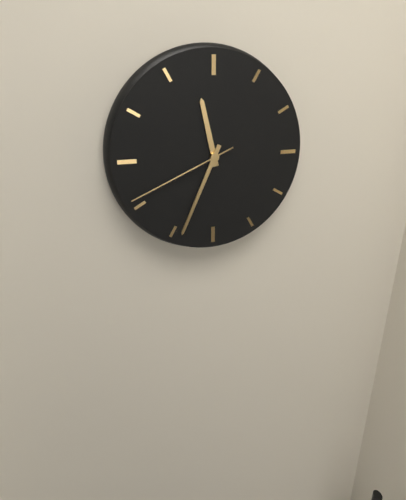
11:34:41
